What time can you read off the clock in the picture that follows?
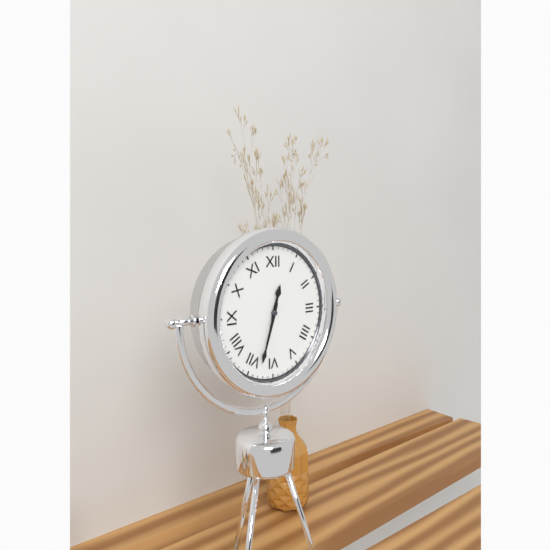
12:33
